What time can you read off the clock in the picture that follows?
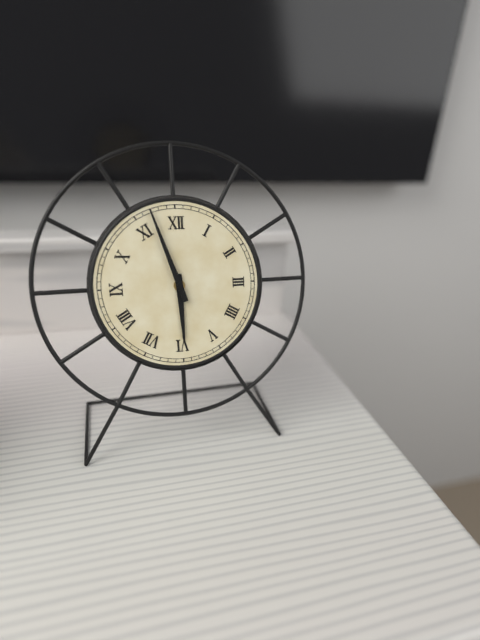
5:57
